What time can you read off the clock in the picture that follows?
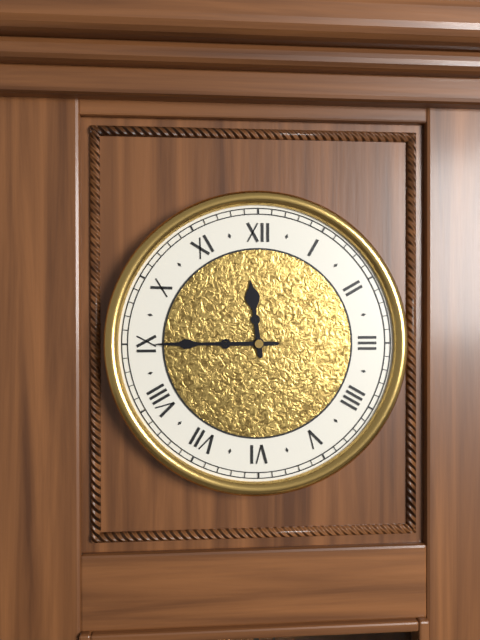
11:45
